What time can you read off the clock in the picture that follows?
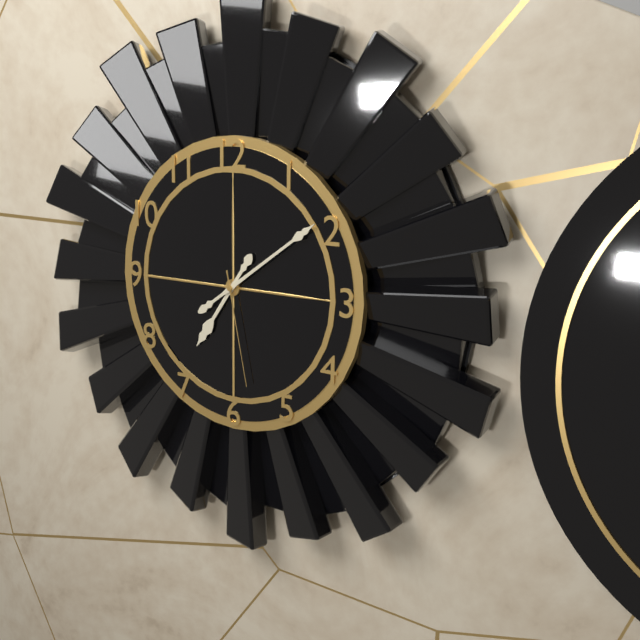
7:09:28
